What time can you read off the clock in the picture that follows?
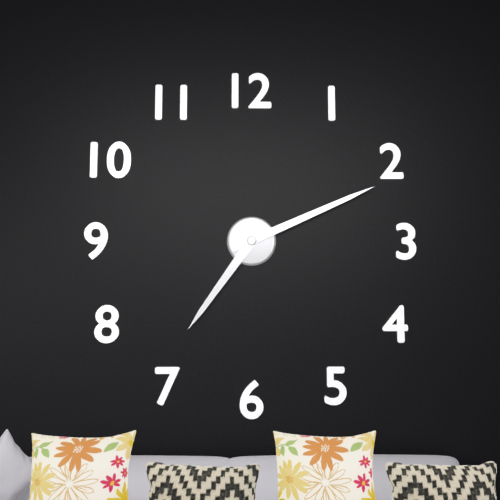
7:11
